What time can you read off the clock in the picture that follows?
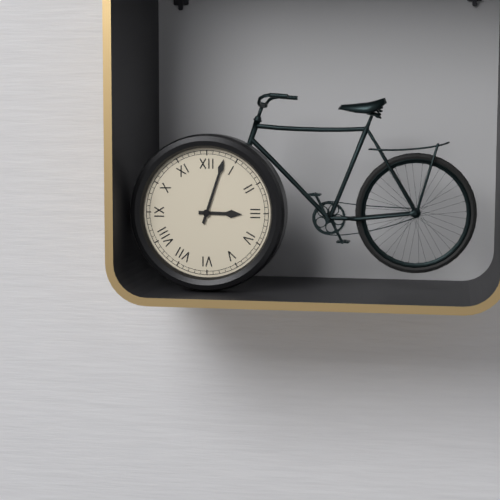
3:03
